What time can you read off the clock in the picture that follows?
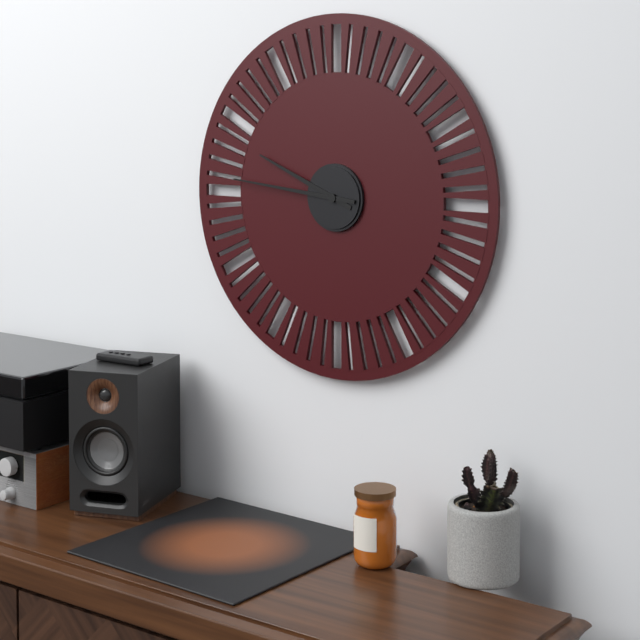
9:46
